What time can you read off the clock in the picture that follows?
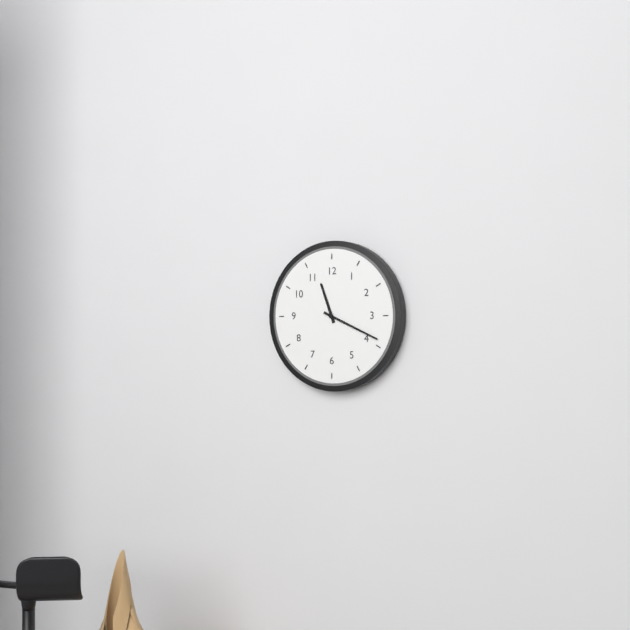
11:19
